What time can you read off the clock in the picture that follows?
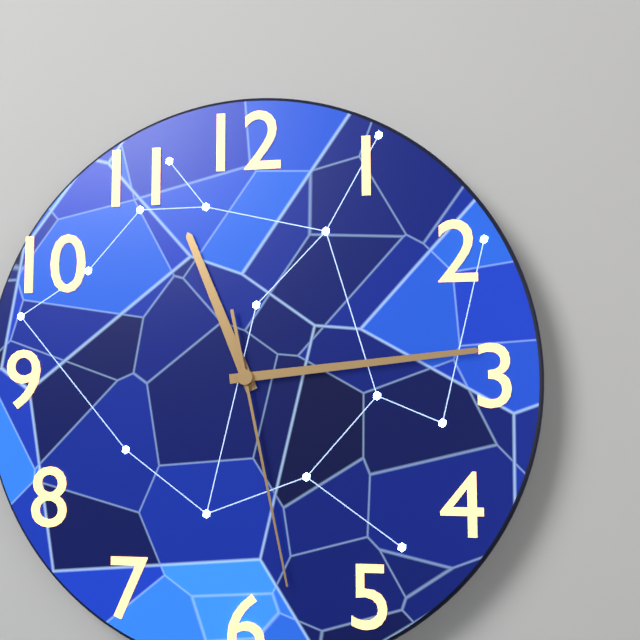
11:14:28
